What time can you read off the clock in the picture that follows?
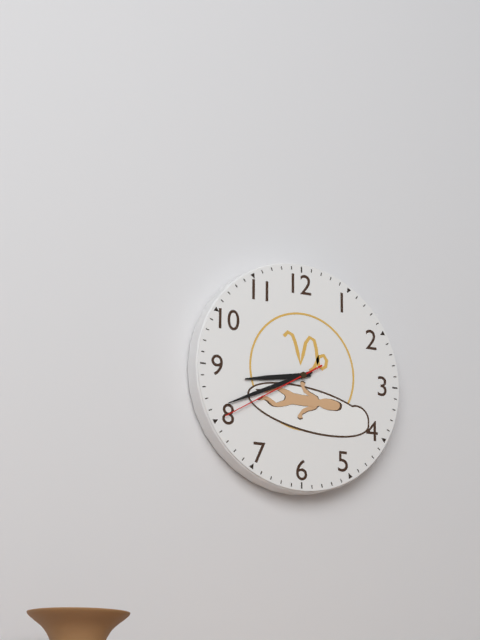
8:41:40
